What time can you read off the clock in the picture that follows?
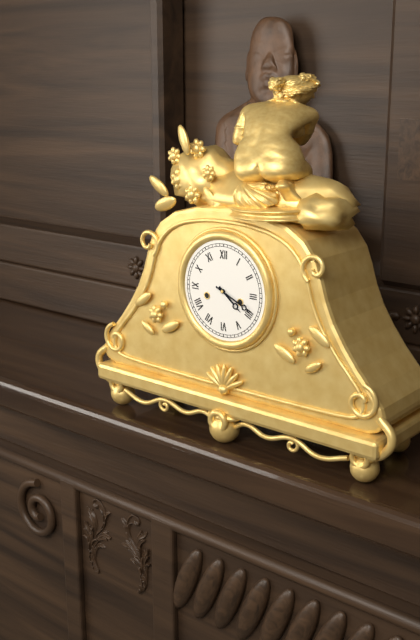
4:19
